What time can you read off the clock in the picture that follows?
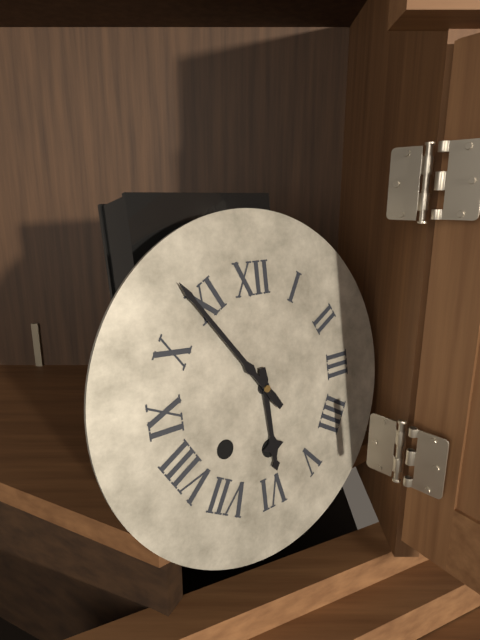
5:54
